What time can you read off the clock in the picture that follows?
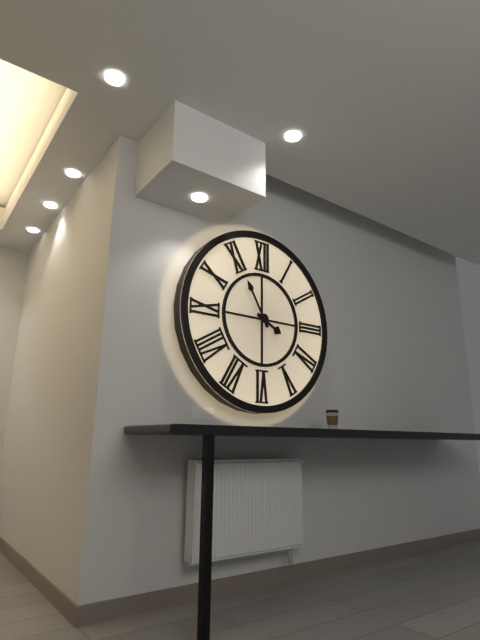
3:55
